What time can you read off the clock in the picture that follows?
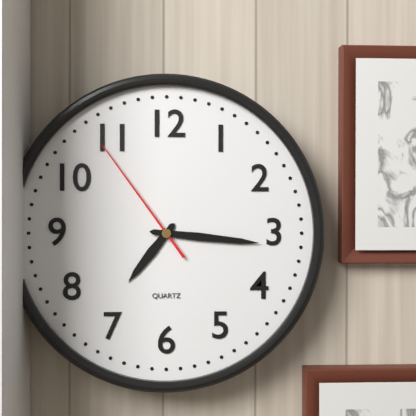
7:16:54
